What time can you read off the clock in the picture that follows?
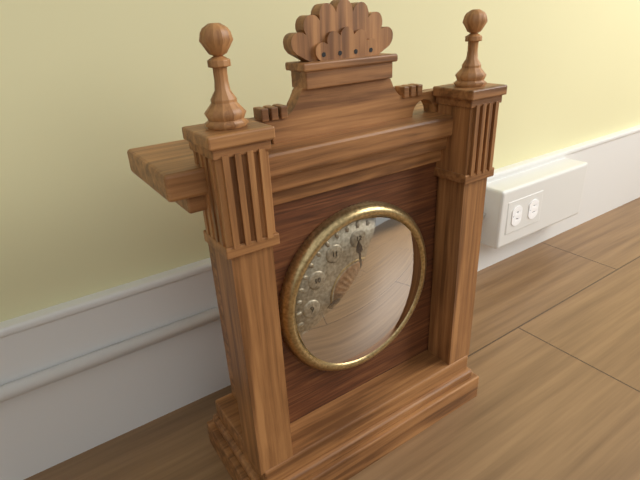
8:59
